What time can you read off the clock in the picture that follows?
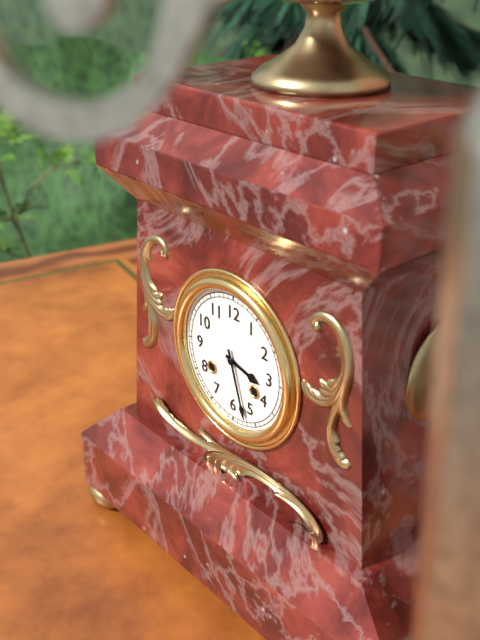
3:27
